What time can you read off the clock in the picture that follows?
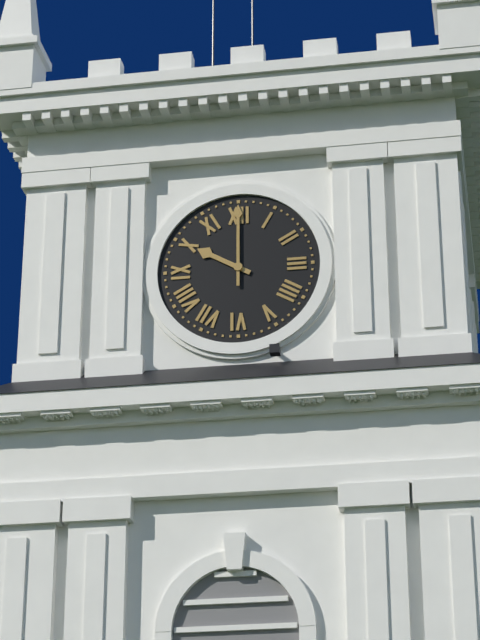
10:00
